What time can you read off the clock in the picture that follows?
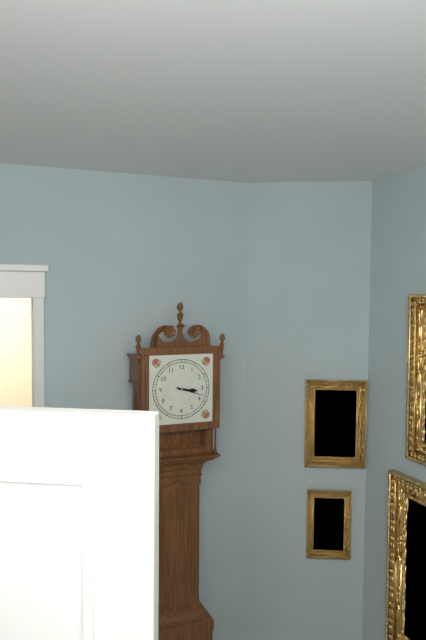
3:18
